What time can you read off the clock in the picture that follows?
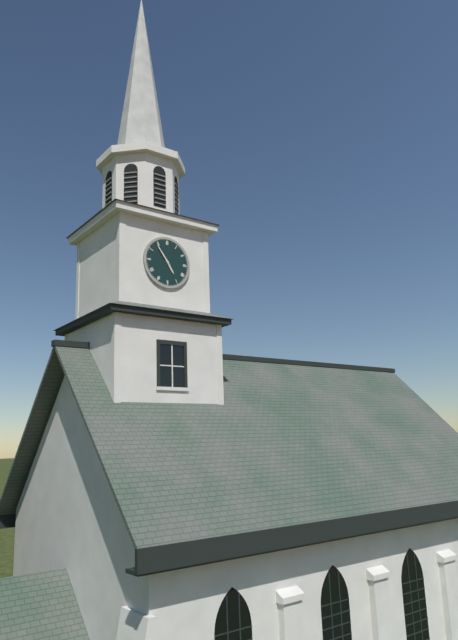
4:54
